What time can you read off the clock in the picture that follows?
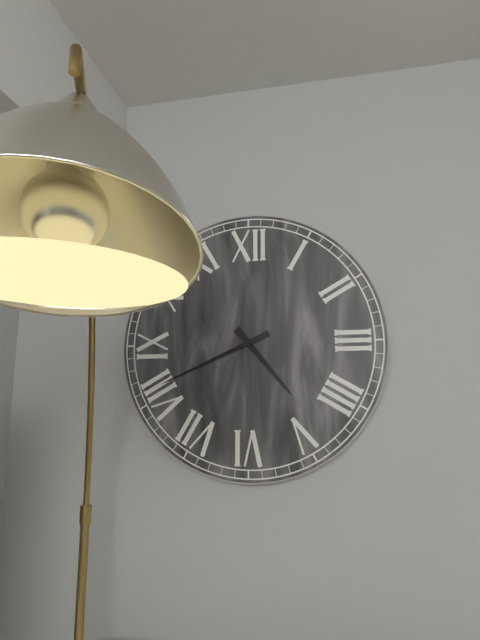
4:41
